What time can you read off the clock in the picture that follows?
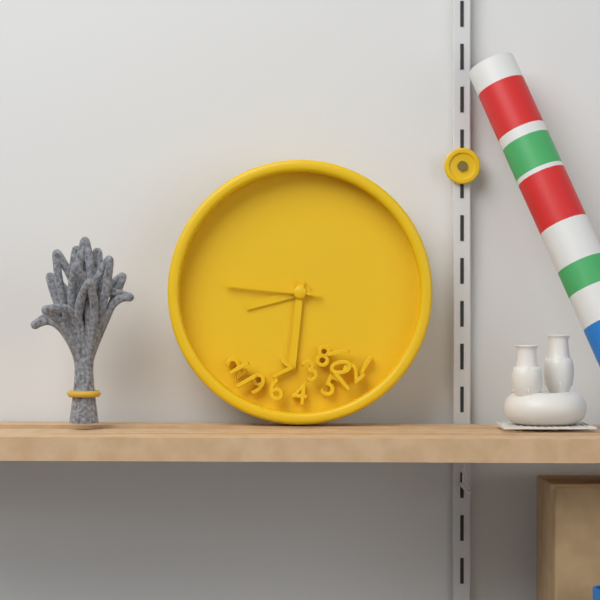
8:31:46
